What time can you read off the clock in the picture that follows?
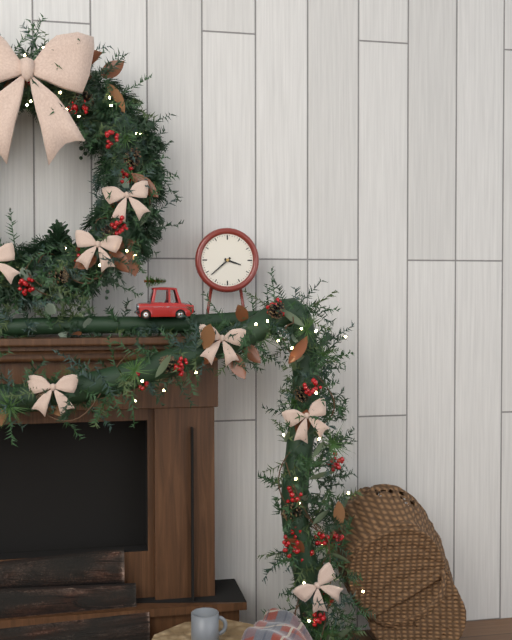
3:38
